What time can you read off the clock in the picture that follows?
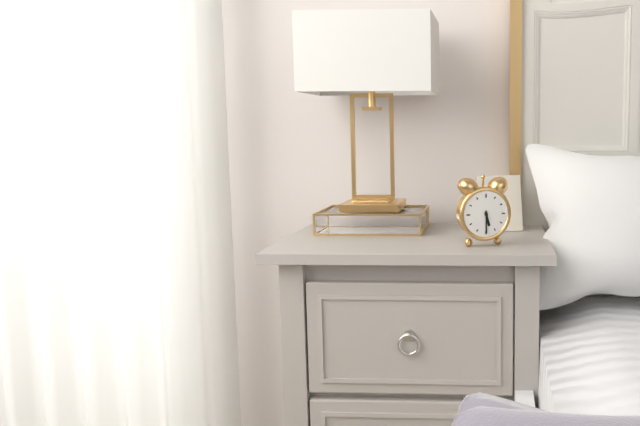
5:30
